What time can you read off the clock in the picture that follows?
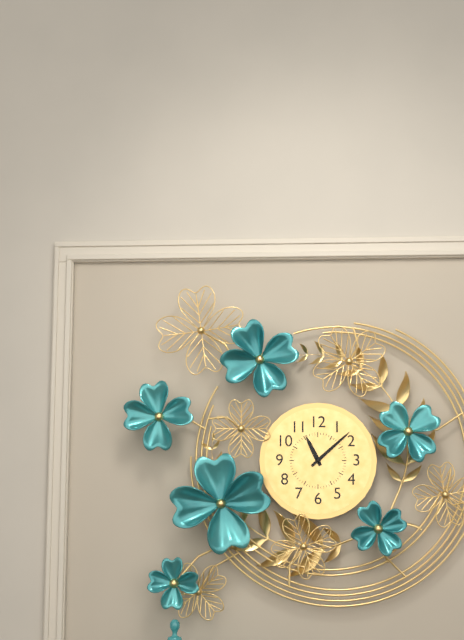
11:08
